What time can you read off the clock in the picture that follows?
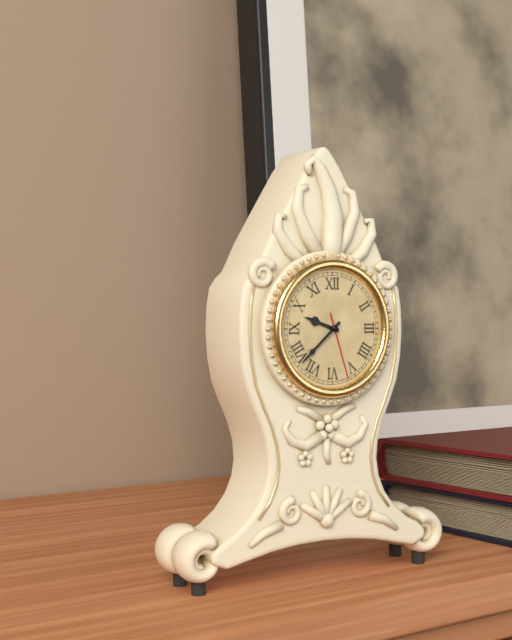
9:38:27
